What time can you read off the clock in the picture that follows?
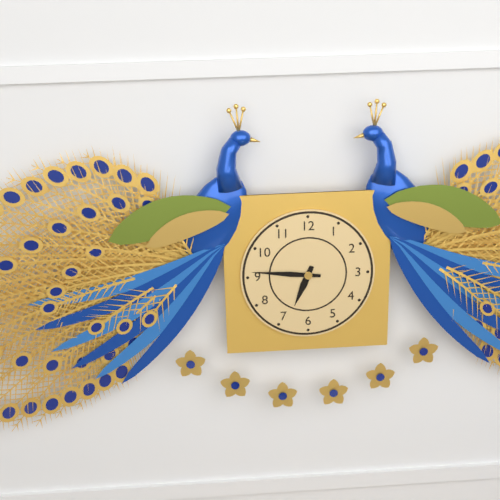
6:46
